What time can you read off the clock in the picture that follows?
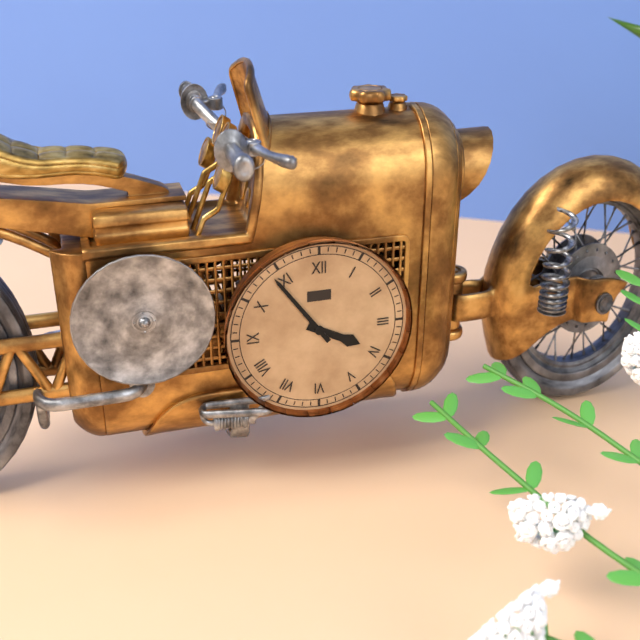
3:54
